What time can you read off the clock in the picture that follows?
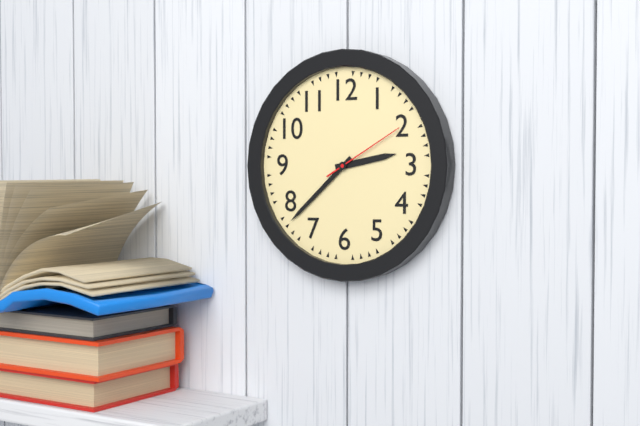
2:38:10
